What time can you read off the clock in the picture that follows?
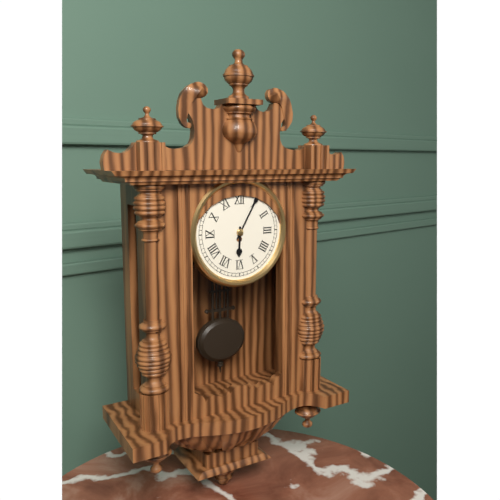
6:05
